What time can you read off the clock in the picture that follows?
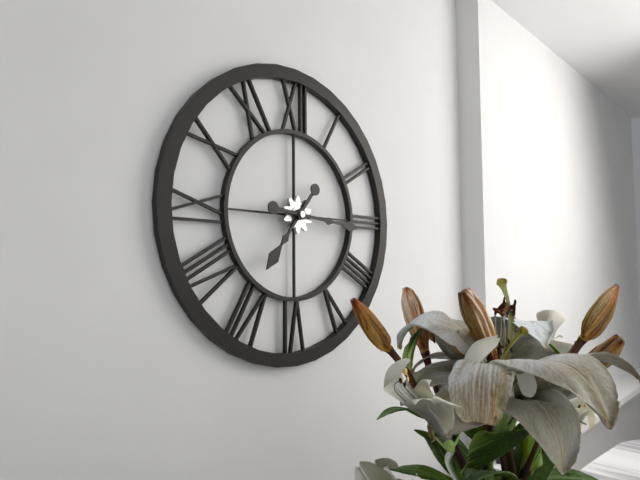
7:16
